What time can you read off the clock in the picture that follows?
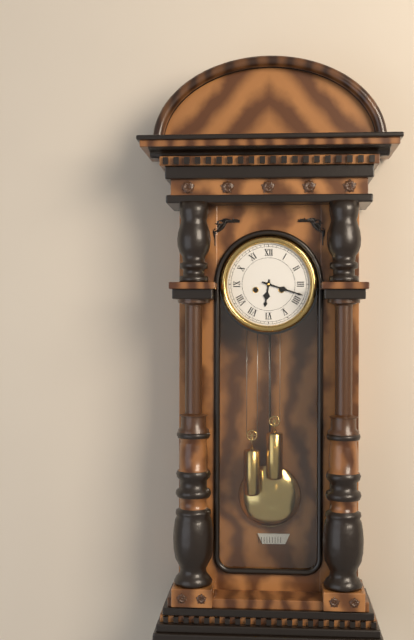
6:18
